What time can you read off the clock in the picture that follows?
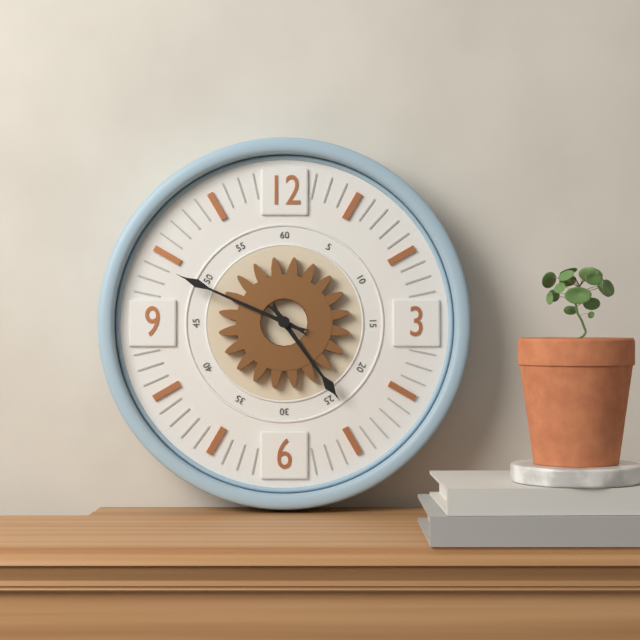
4:49
